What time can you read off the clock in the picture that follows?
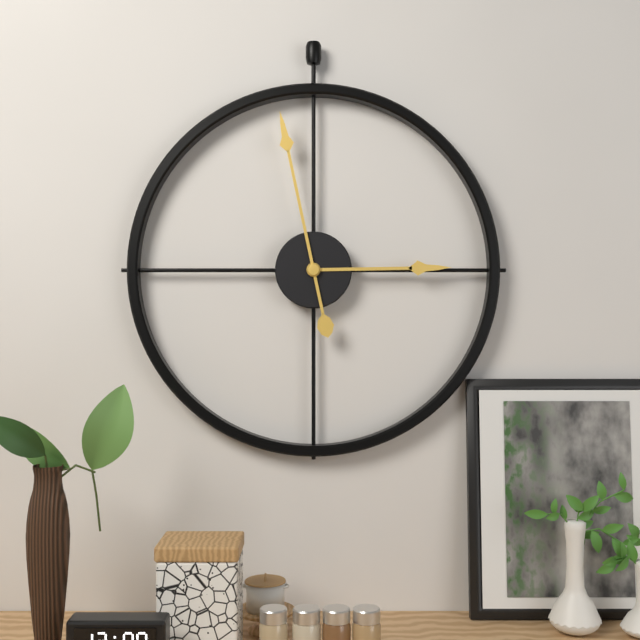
2:58
